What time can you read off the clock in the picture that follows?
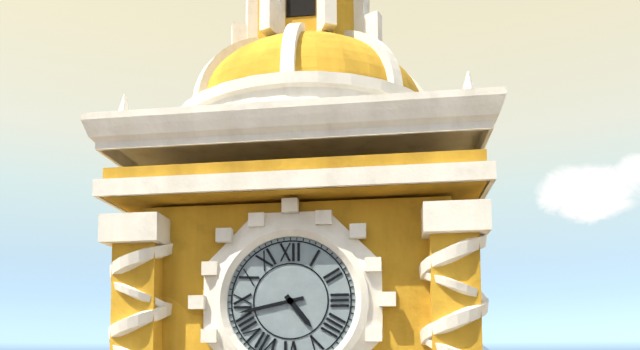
4:43
